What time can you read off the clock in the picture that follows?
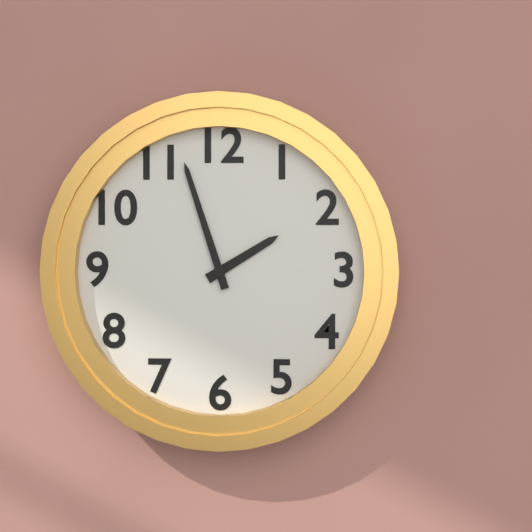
1:57
